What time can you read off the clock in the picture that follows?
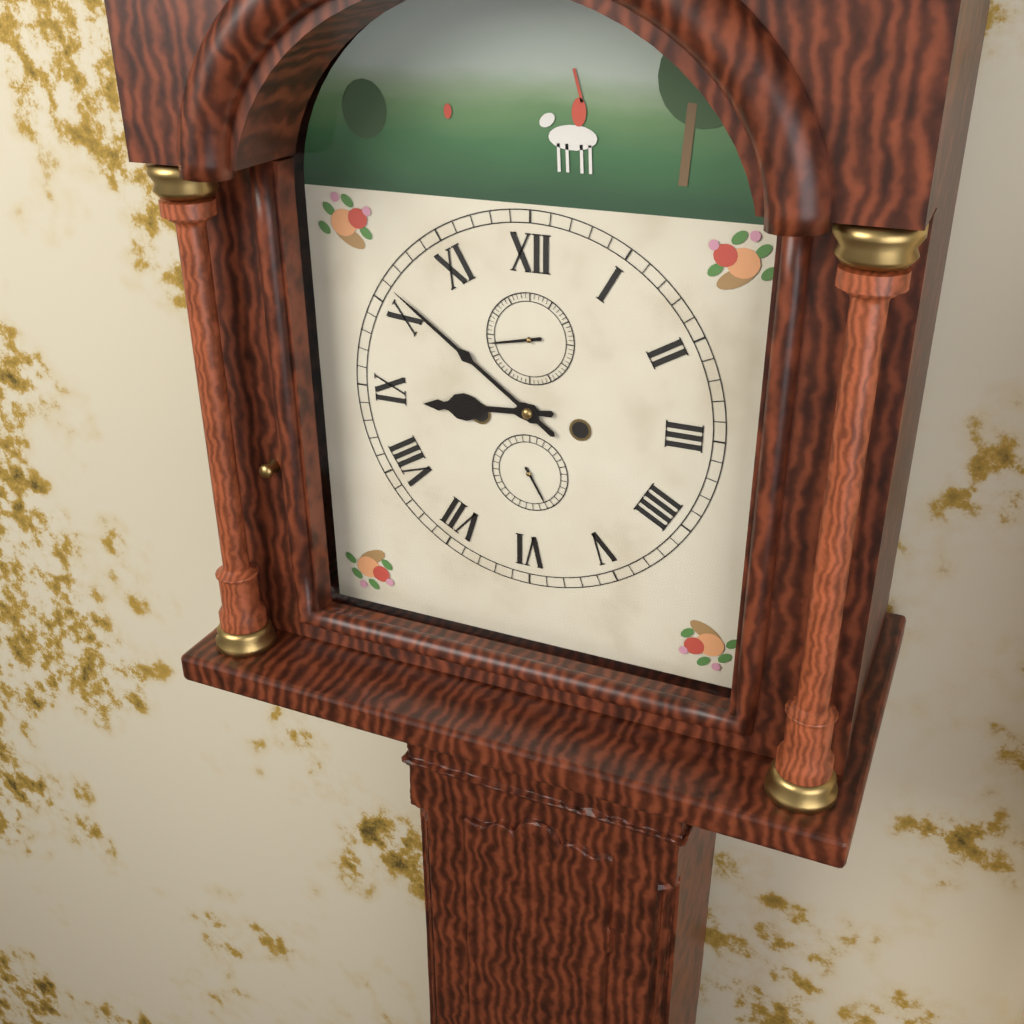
8:51
